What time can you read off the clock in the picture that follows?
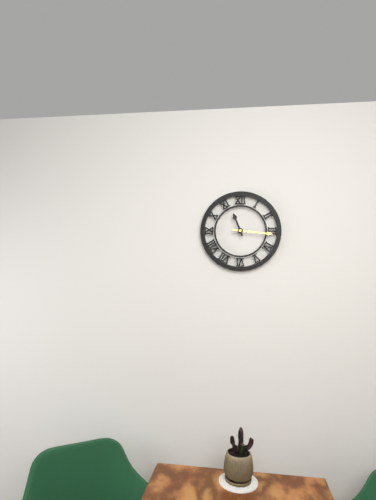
11:16
